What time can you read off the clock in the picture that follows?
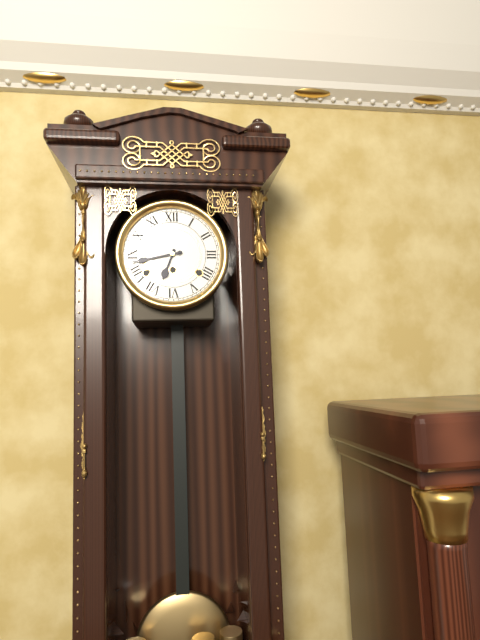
6:43
